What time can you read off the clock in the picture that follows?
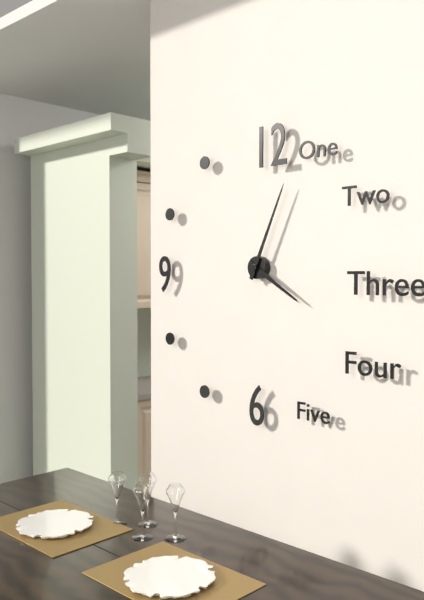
4:04
